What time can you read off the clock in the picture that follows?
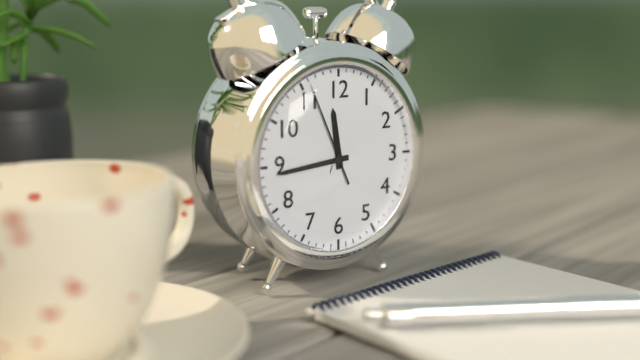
11:44:56
